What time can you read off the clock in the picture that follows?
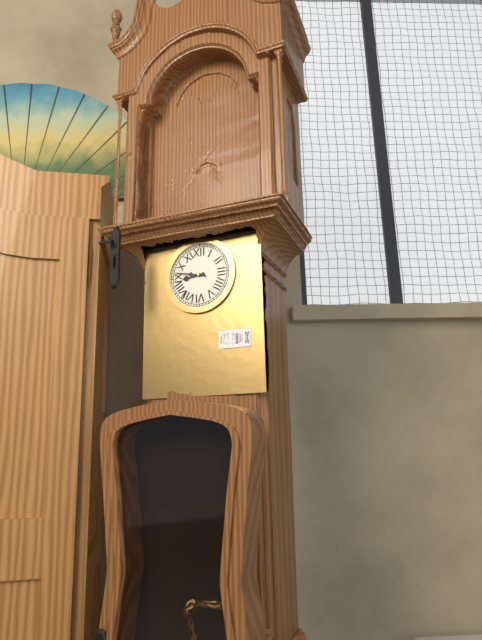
8:47
